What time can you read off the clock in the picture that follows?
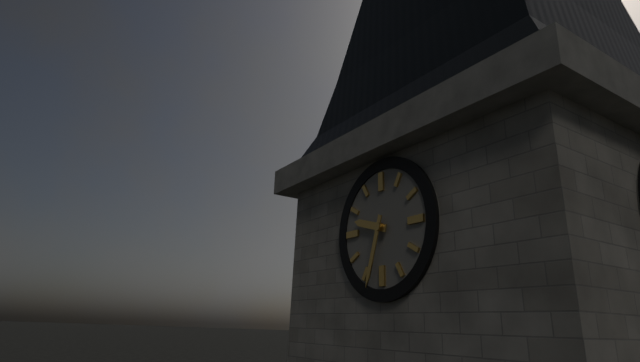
9:33
